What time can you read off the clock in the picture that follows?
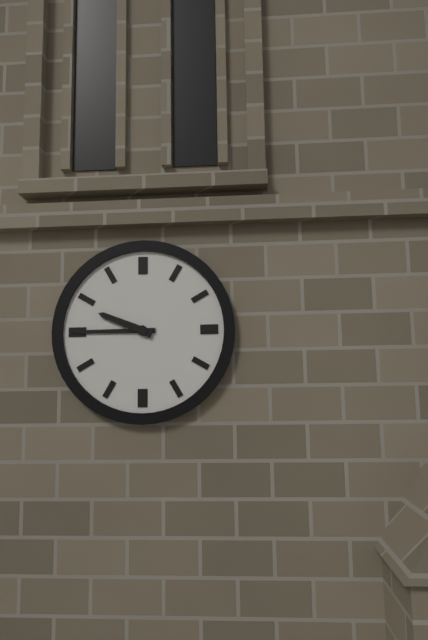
9:45
